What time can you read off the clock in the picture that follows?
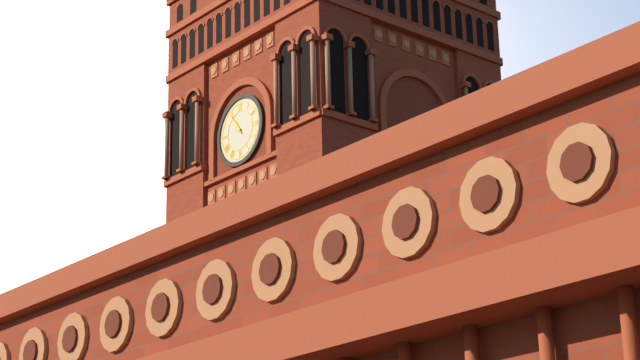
10:54
